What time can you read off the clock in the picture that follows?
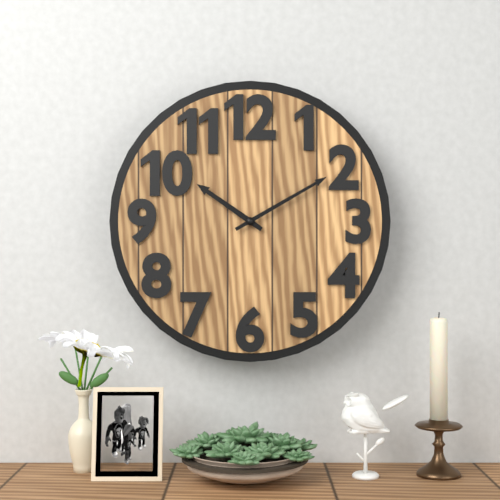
10:10
